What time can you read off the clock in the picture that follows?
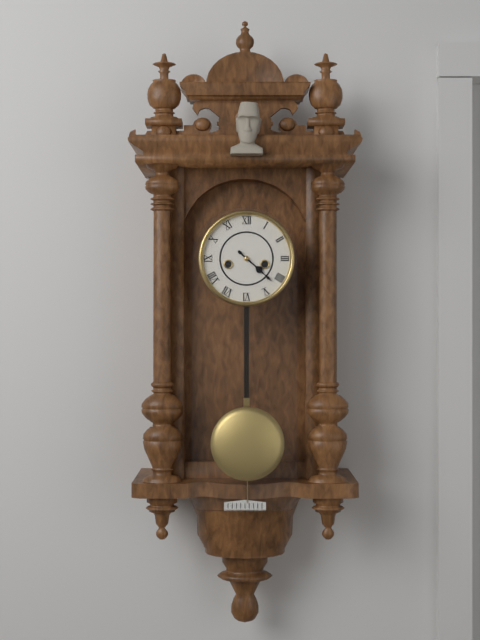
4:22
